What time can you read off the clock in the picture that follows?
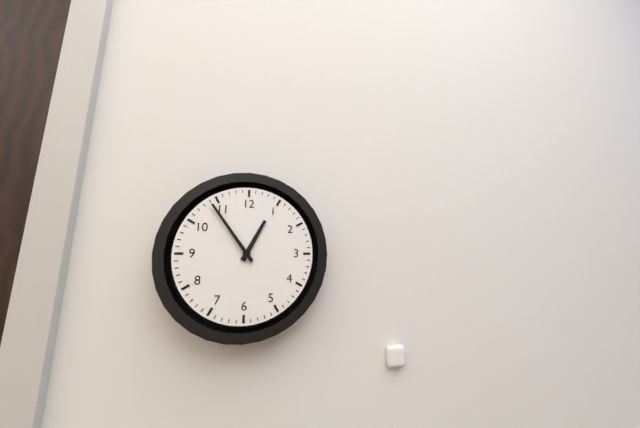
12:54
